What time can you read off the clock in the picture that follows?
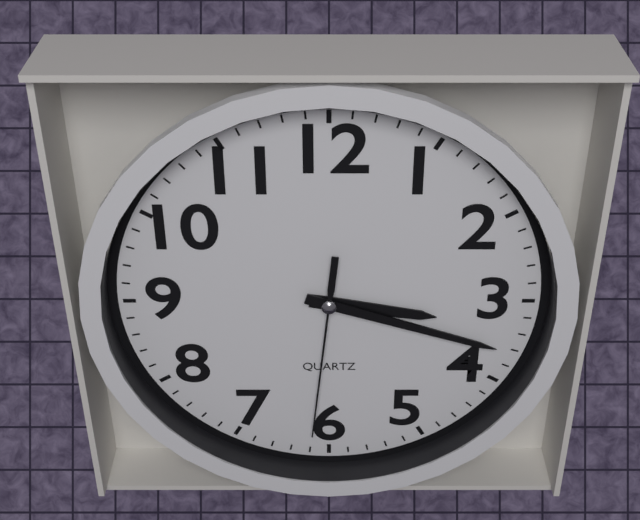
3:18:31
